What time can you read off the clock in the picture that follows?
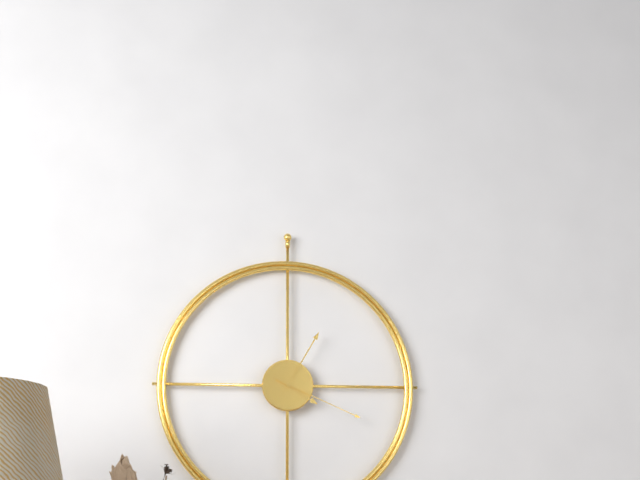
4:05:19
